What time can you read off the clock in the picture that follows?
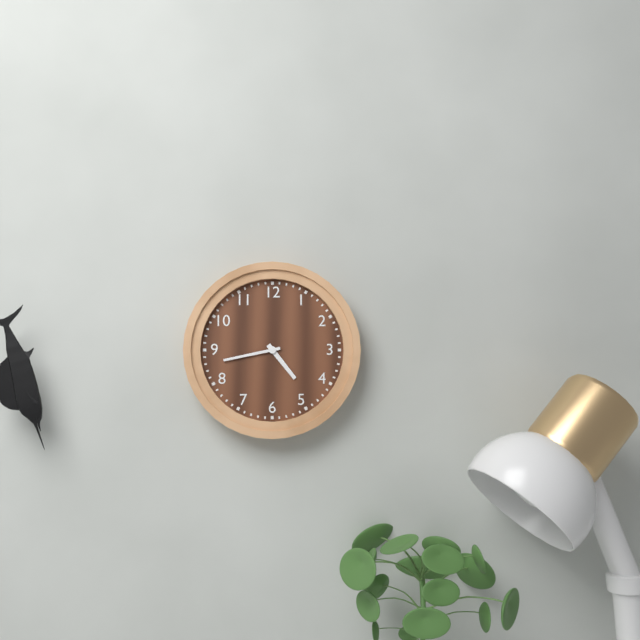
4:43
